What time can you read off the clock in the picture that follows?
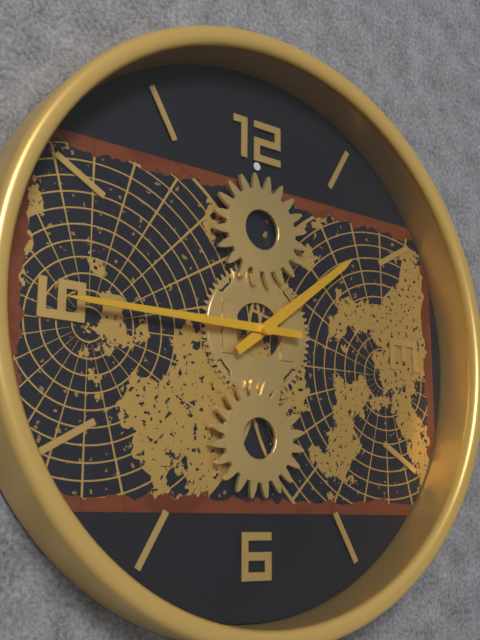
1:45
